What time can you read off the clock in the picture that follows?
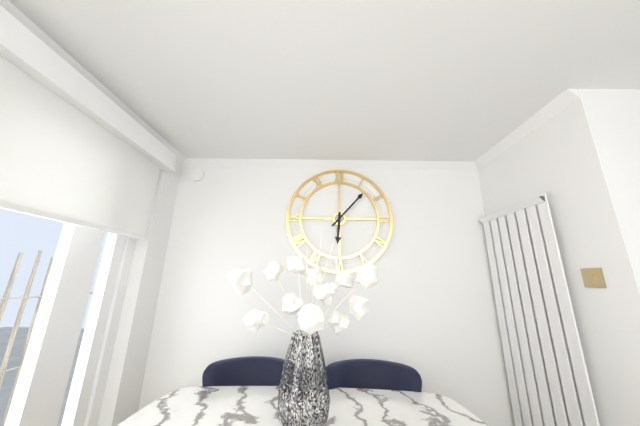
6:07
